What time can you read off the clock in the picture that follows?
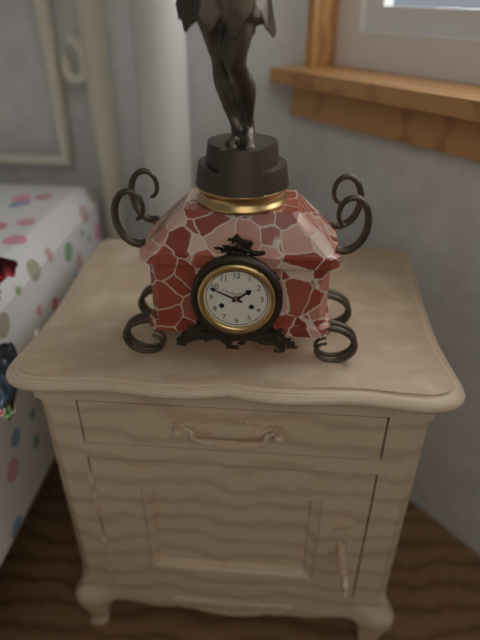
1:49
